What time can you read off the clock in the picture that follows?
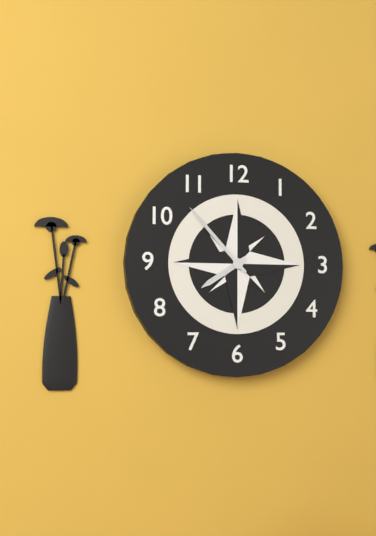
7:53
